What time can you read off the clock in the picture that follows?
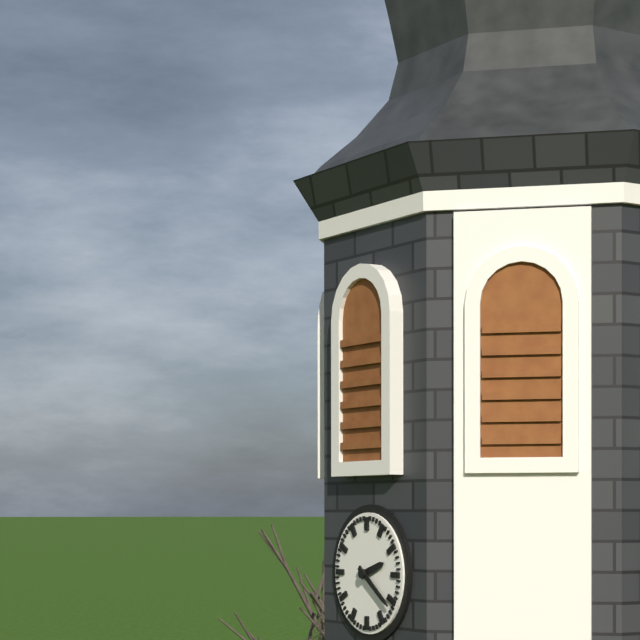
2:21
